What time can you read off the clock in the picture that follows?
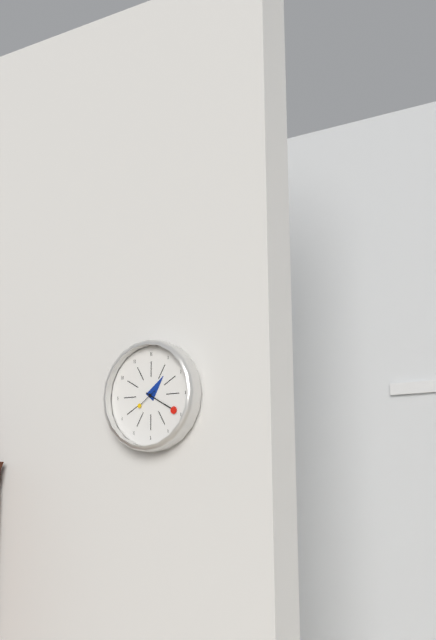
1:20
